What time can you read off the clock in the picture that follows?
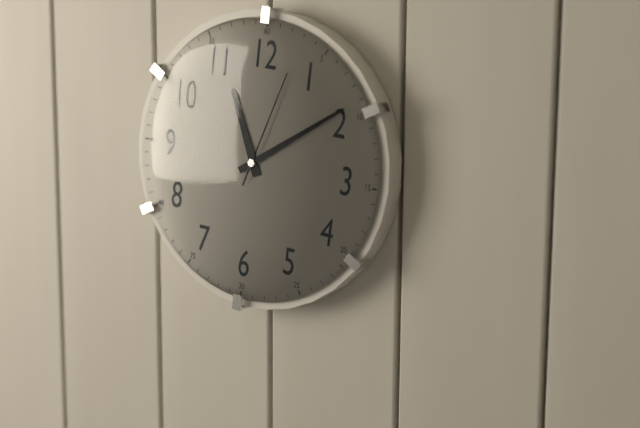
11:09:03
